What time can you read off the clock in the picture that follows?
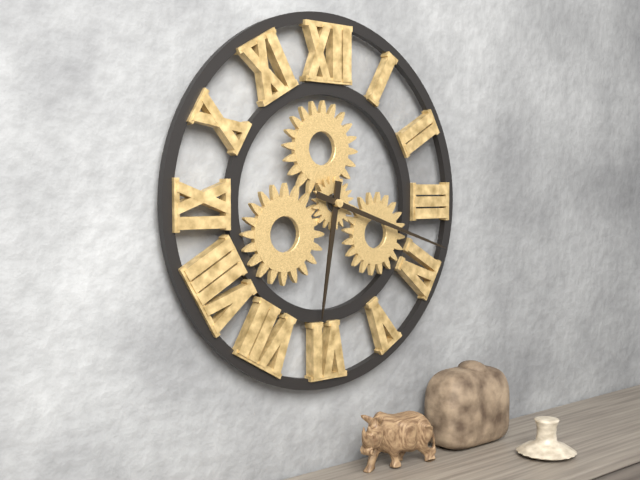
6:18
